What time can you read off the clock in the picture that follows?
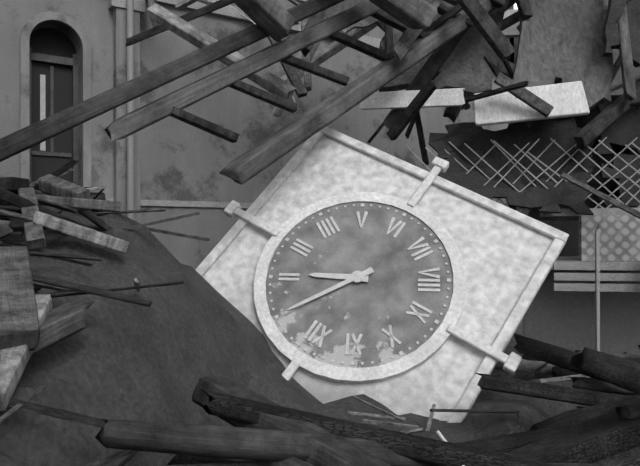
2:05
